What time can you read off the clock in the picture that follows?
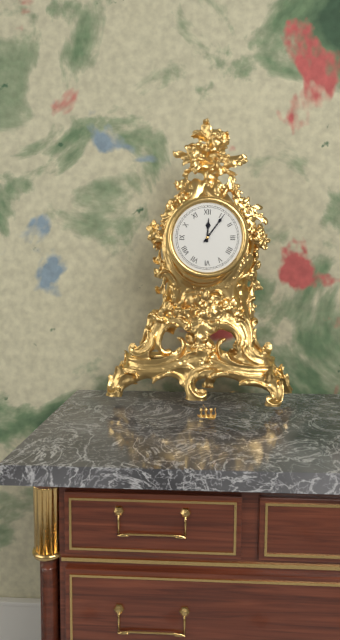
12:06
